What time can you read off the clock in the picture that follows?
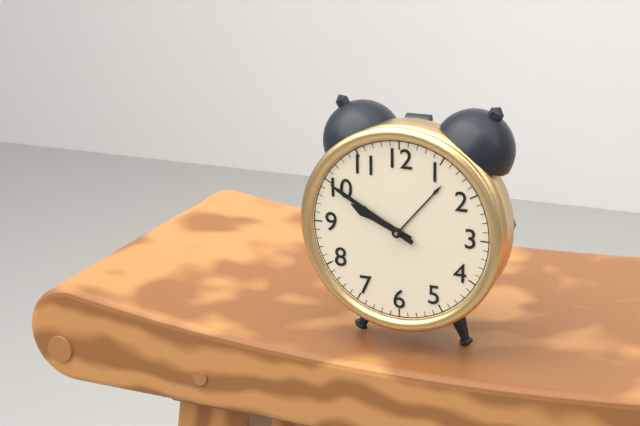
9:50
